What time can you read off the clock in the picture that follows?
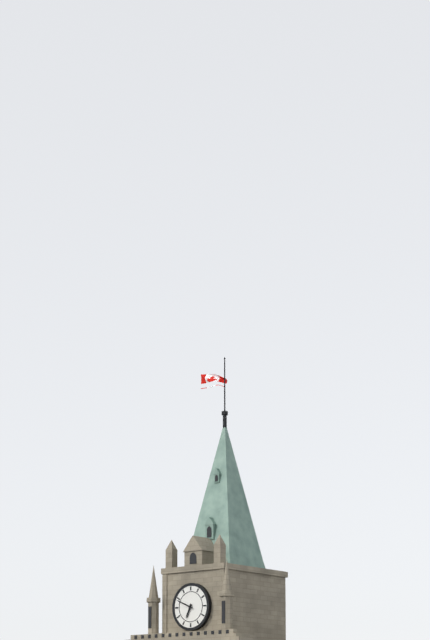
6:49
